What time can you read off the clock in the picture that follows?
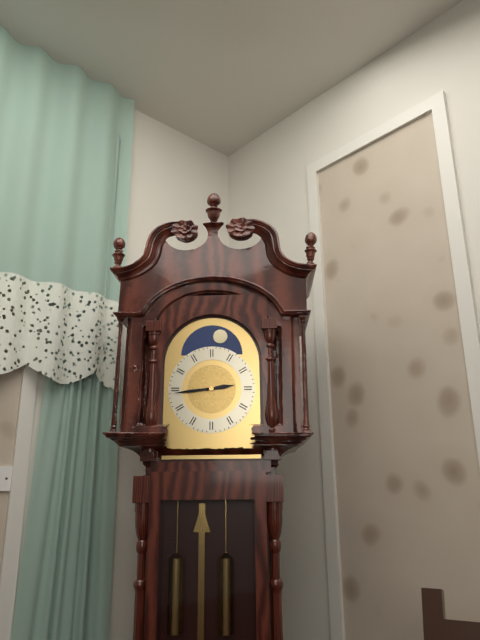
2:44
